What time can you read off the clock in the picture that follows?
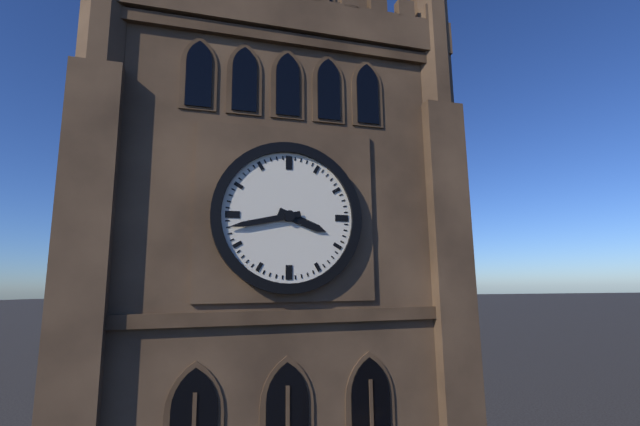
3:43
